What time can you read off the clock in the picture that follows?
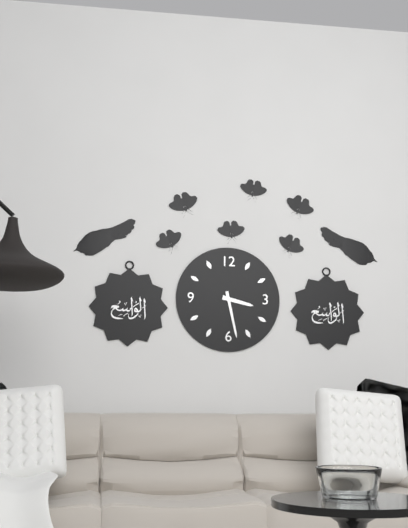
3:28
